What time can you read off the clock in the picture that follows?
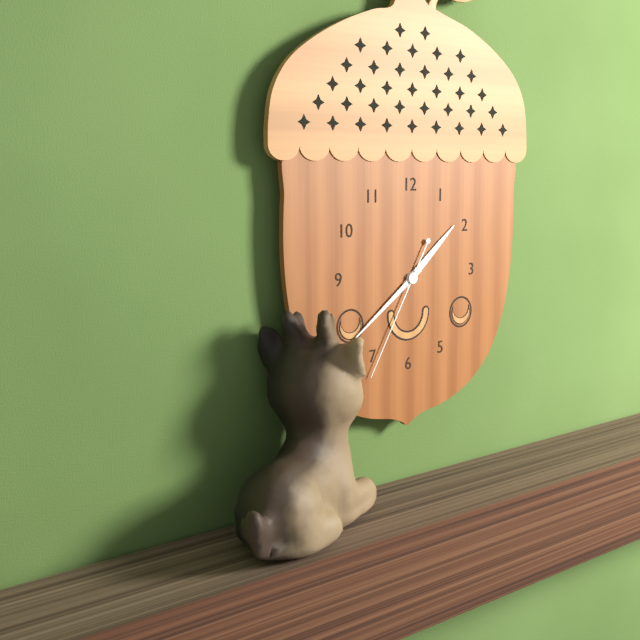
1:39:35
